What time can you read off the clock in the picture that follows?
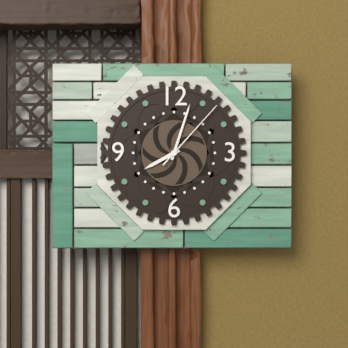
8:03:07
